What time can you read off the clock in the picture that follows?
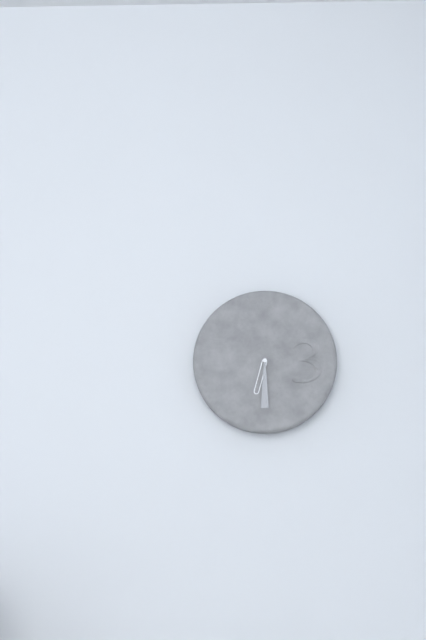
6:30
